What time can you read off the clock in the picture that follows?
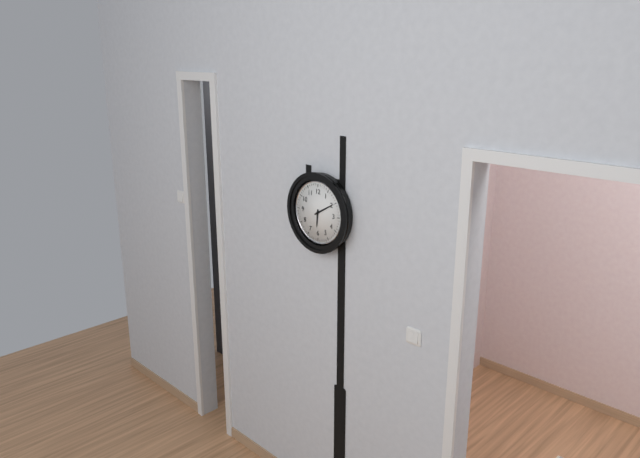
6:10
